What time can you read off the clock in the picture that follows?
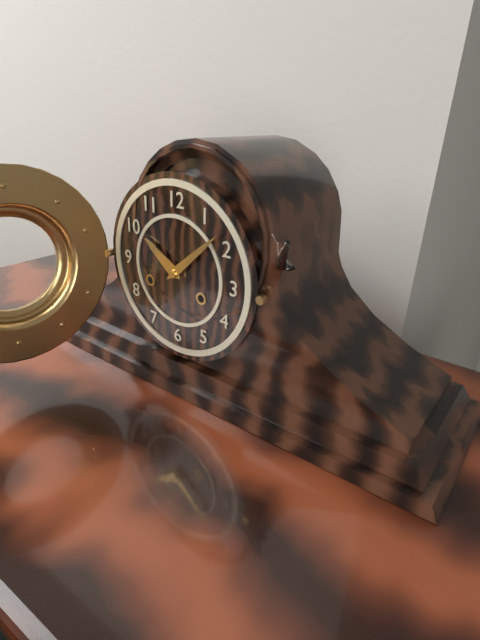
10:08
